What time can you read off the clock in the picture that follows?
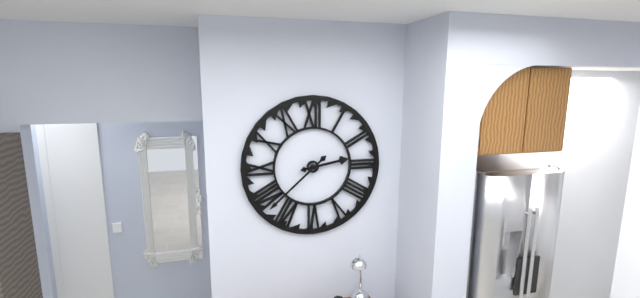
2:38
